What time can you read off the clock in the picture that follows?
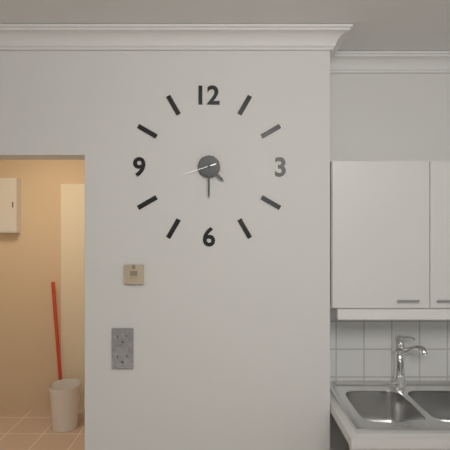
4:30
